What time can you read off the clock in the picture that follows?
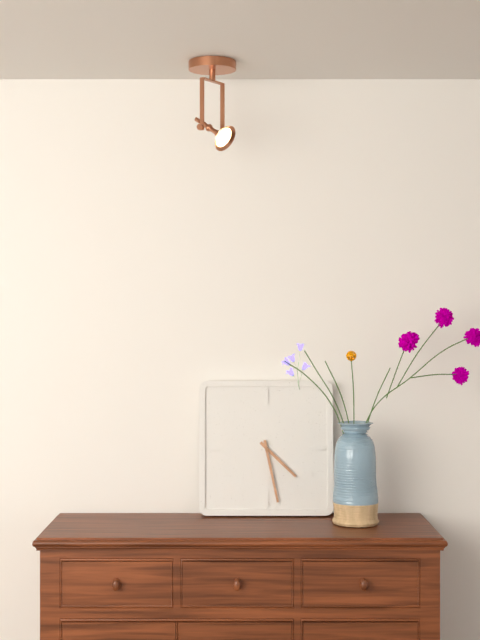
4:28
